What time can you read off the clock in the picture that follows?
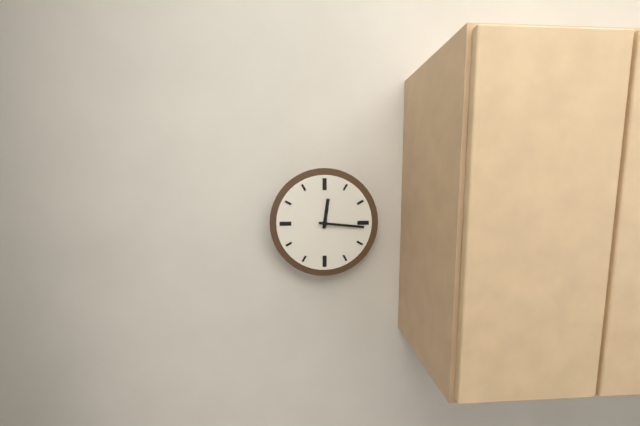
12:16
